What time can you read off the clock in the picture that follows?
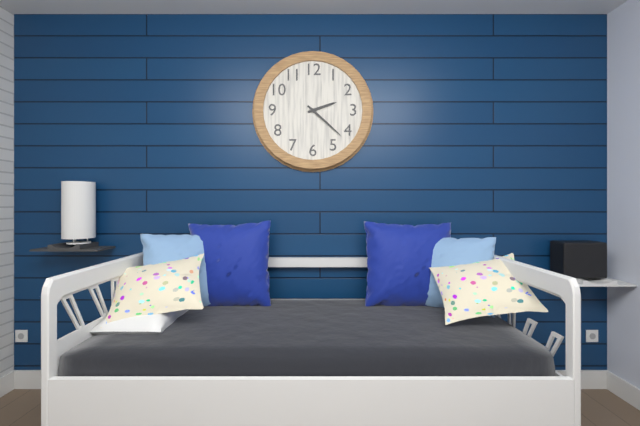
2:22
